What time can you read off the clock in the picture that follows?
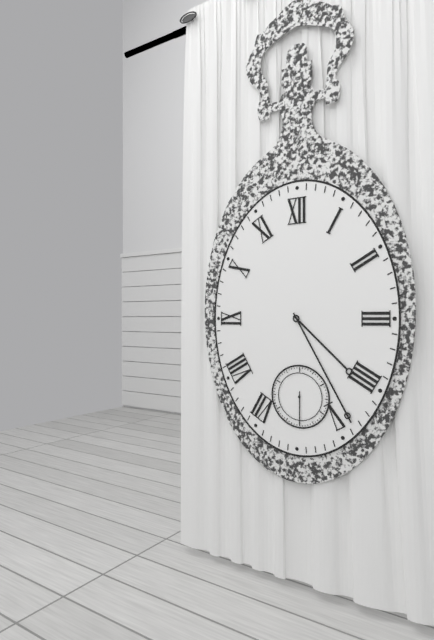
4:25
